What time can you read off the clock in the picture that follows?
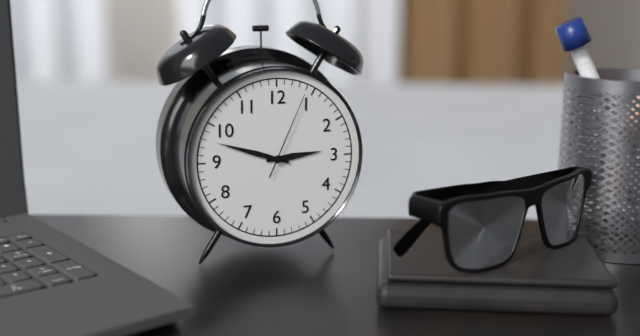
2:48:04
